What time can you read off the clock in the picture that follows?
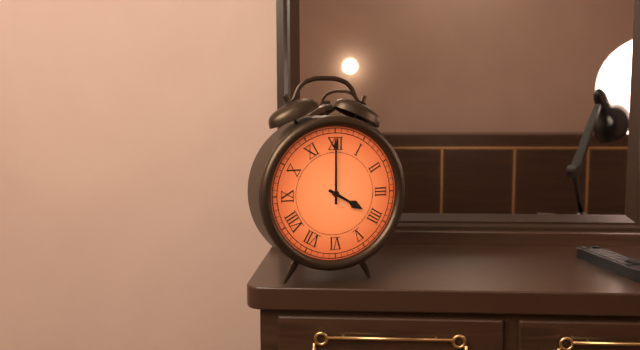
4:00
